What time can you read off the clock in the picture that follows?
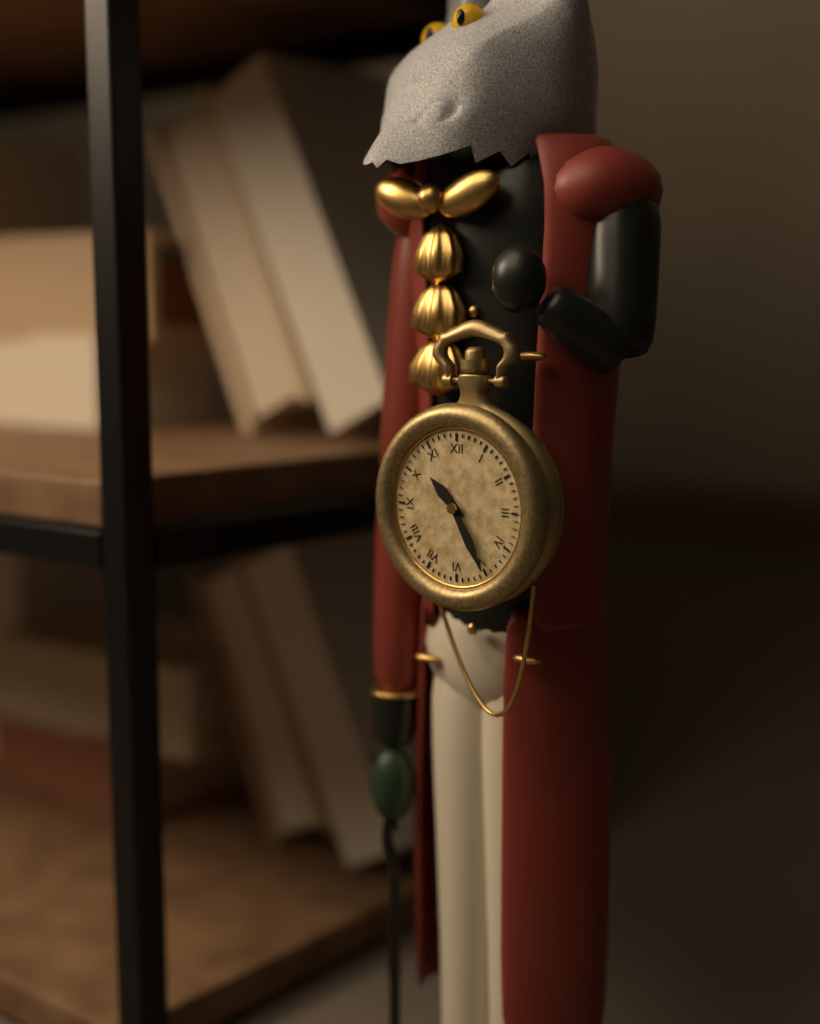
10:25
